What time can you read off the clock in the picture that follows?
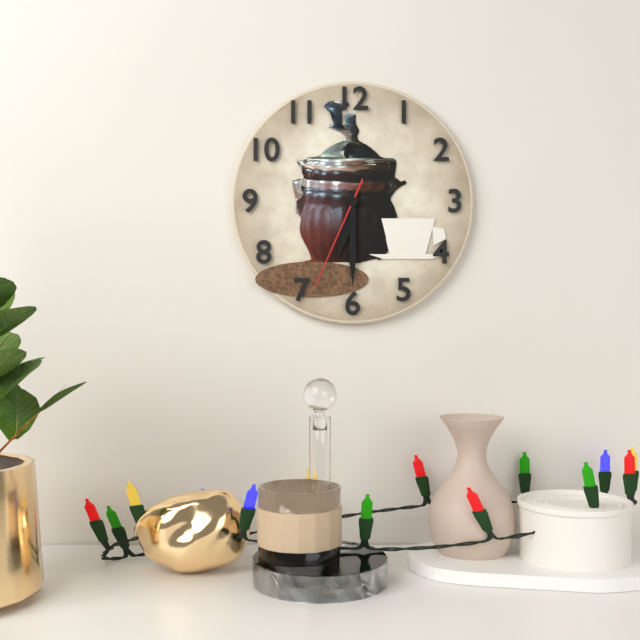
6:30:34
